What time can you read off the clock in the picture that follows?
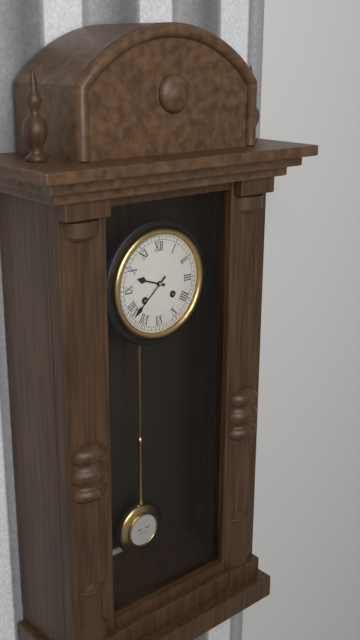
9:38
